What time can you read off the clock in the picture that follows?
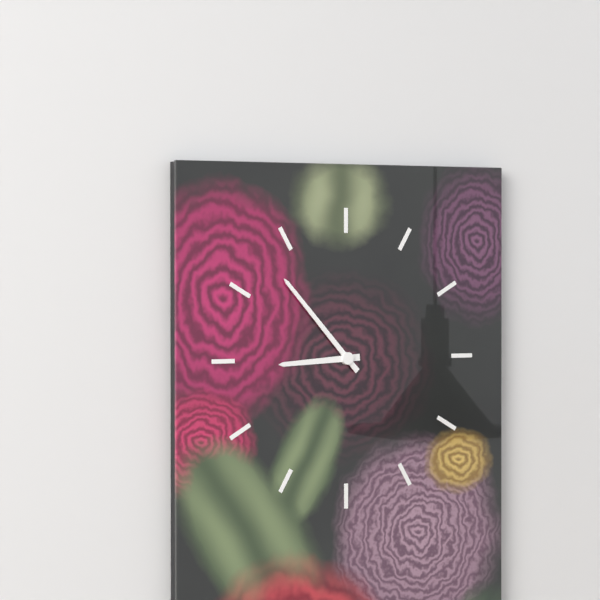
8:53
